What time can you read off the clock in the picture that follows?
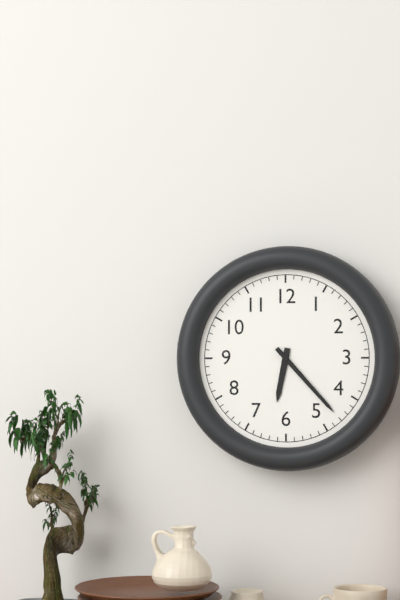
6:23
